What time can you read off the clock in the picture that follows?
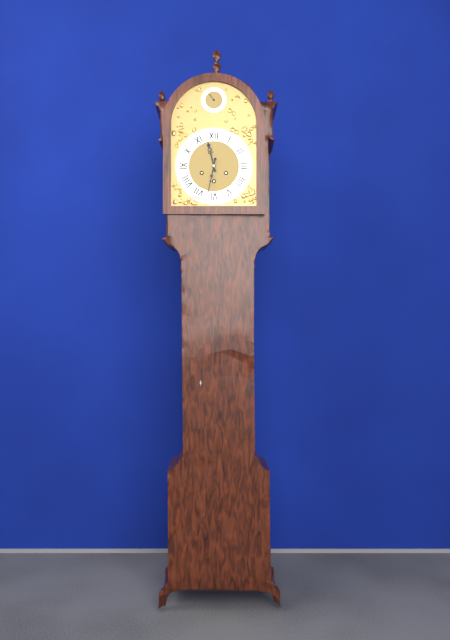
11:32
